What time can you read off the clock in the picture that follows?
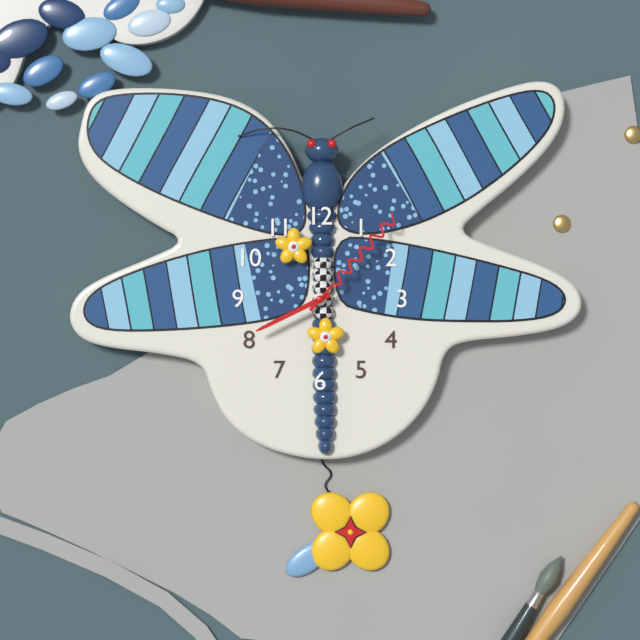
8:07
